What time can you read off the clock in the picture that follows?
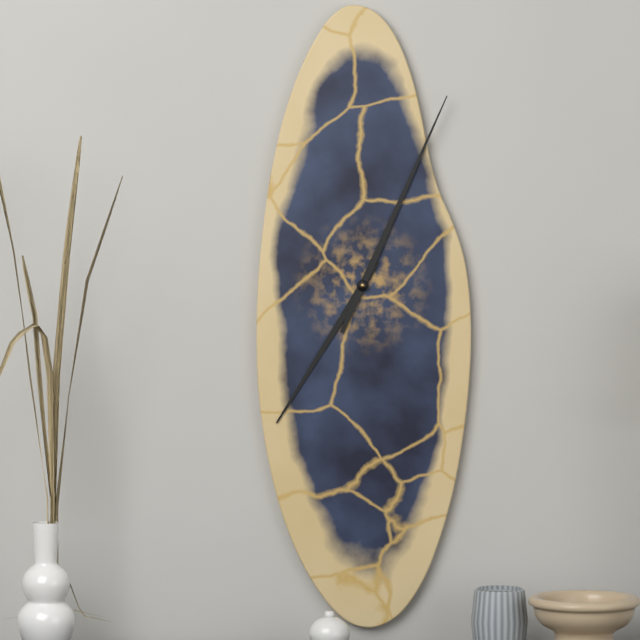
7:04
